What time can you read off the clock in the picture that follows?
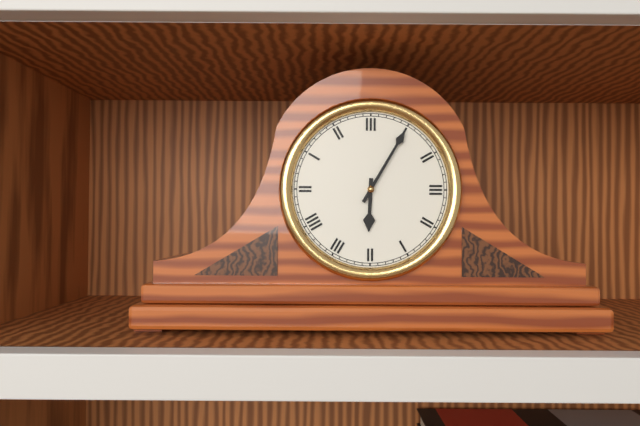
6:05
